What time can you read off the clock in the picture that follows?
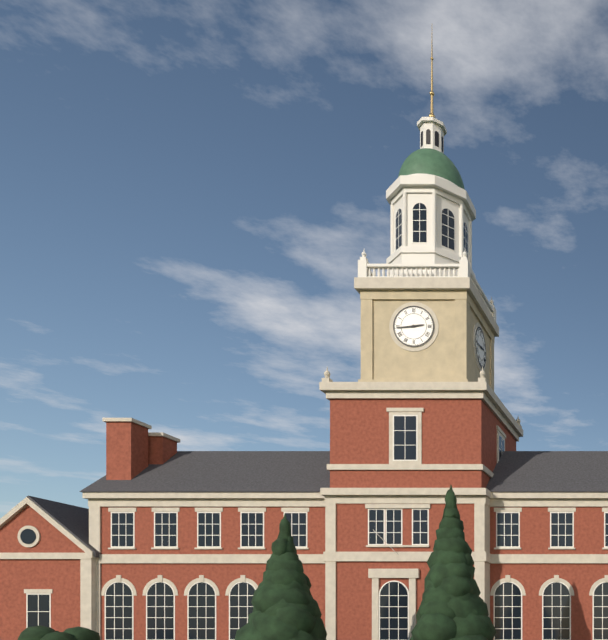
2:44
